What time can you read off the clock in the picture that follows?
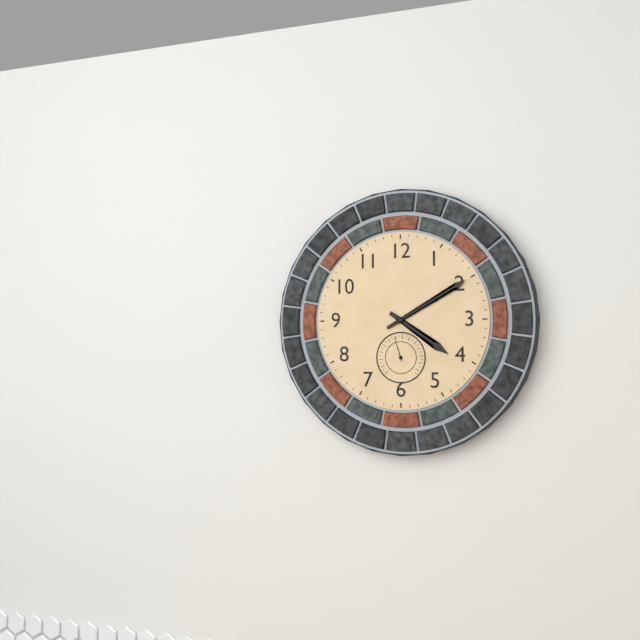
4:10
